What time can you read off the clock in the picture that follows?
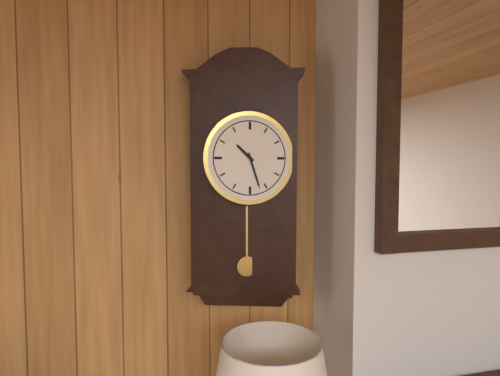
10:27
